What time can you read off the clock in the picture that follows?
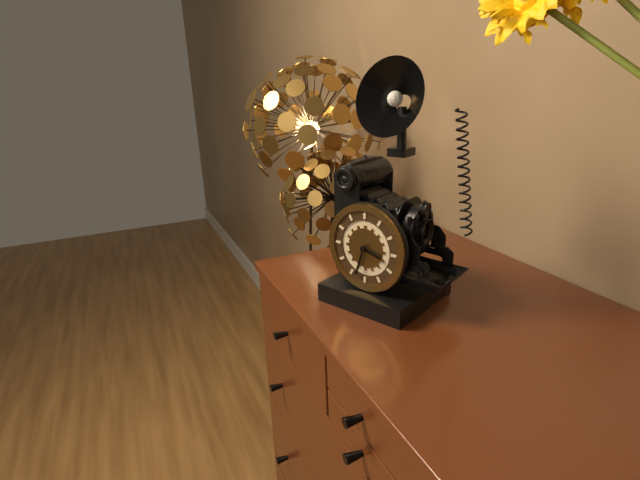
3:33
